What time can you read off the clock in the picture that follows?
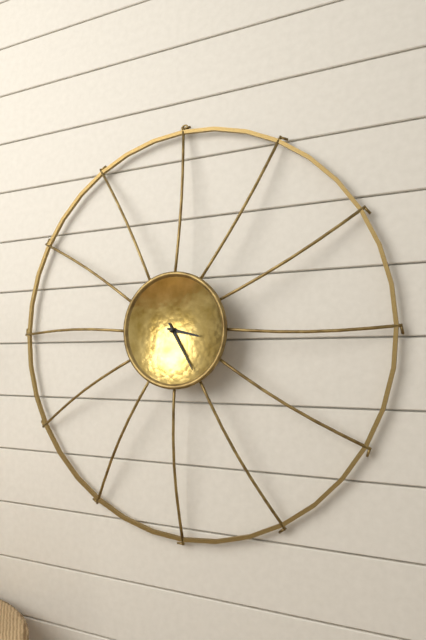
3:25
